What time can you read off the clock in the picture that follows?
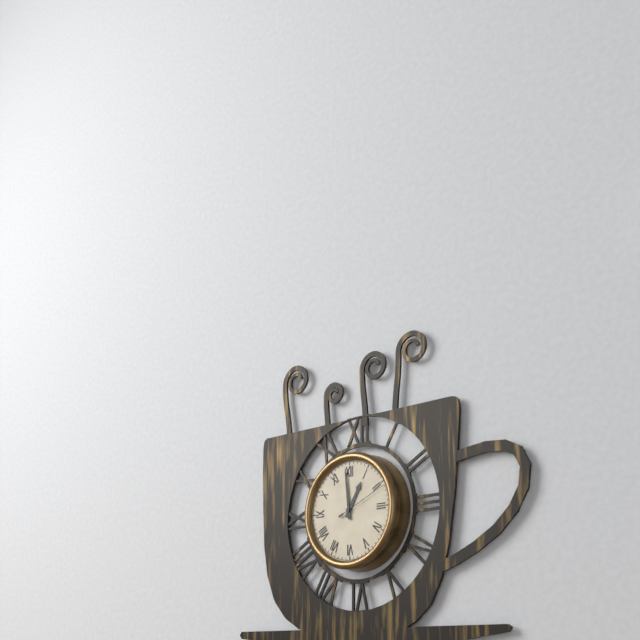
12:59:11
